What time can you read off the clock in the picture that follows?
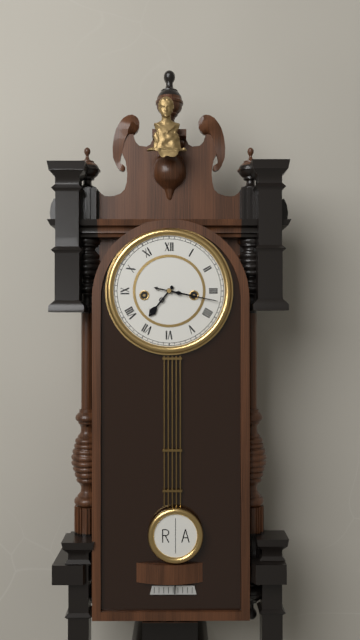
7:17
